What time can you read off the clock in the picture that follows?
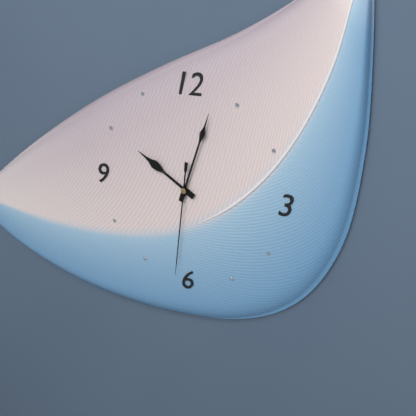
10:03:31
